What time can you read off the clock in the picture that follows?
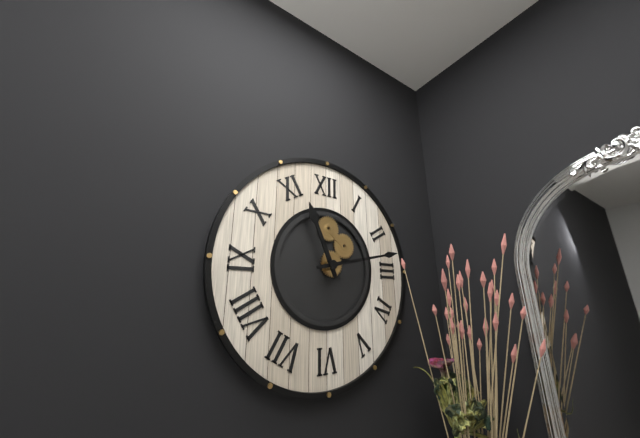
11:13
